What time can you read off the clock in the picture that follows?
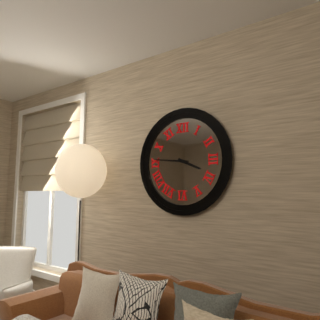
3:46
